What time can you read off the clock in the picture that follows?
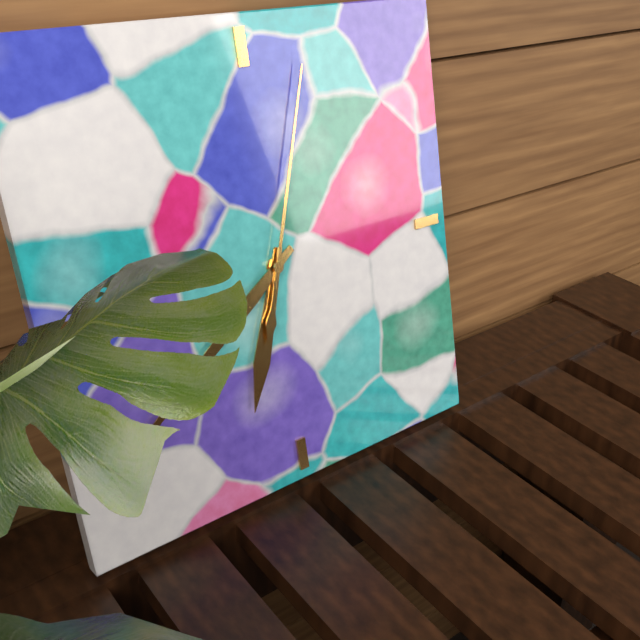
6:39:03
